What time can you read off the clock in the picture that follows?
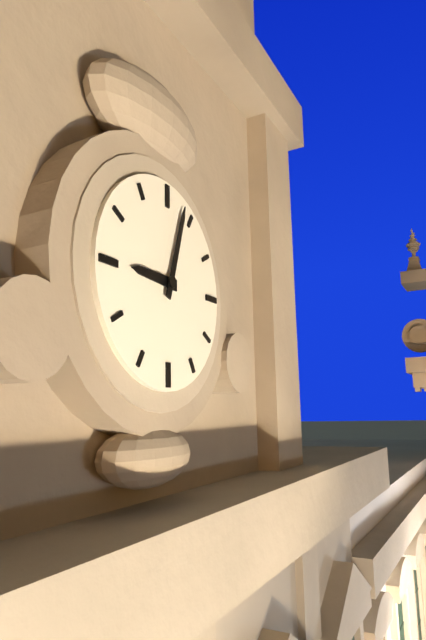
9:03
